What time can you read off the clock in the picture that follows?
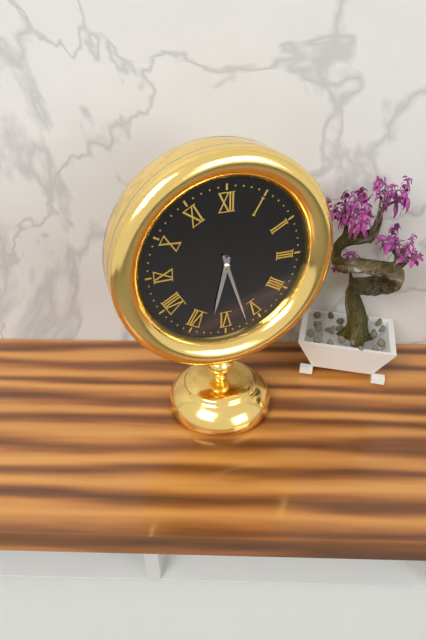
6:27
